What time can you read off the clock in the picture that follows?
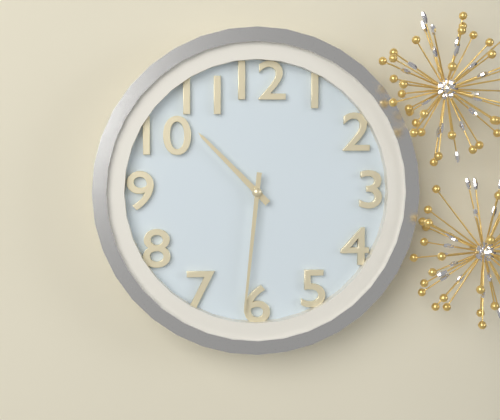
10:31
